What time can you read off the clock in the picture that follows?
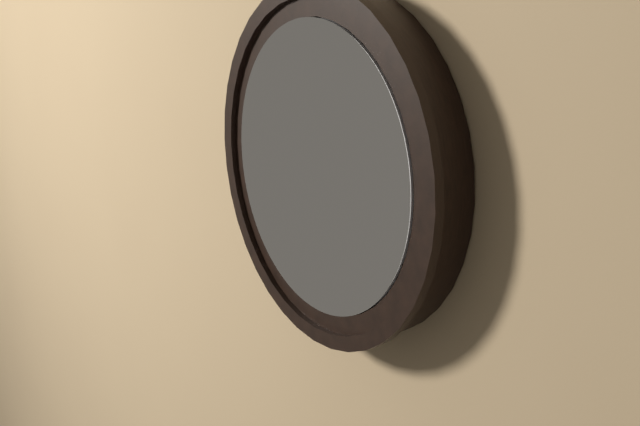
2:13
